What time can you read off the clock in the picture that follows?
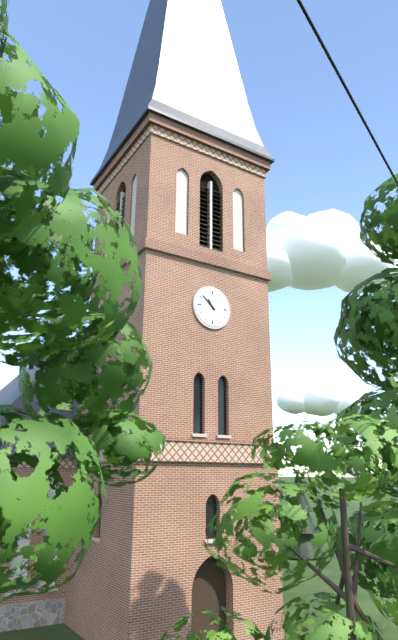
10:52
